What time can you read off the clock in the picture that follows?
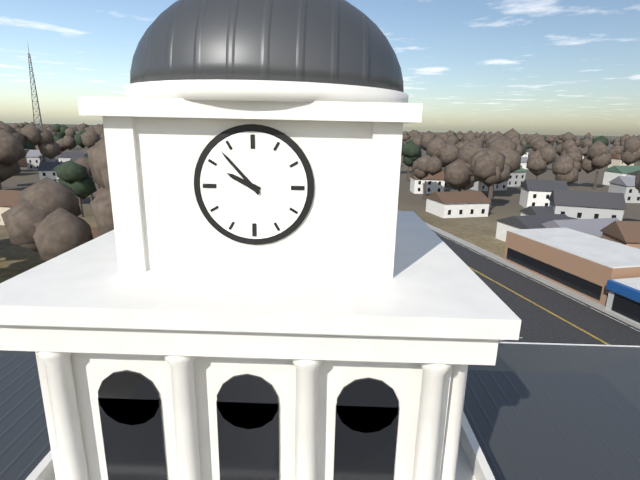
9:53
